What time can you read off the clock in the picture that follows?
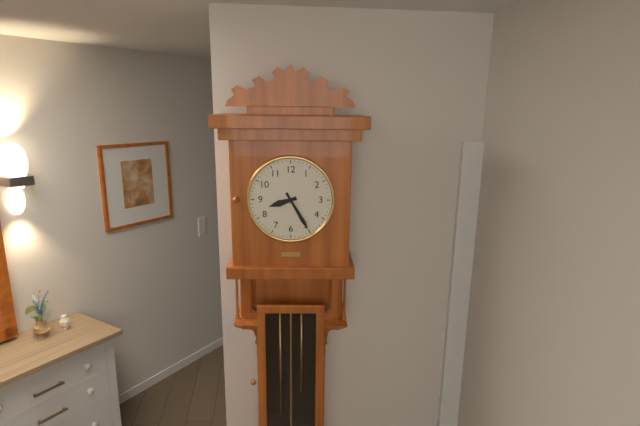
8:25
